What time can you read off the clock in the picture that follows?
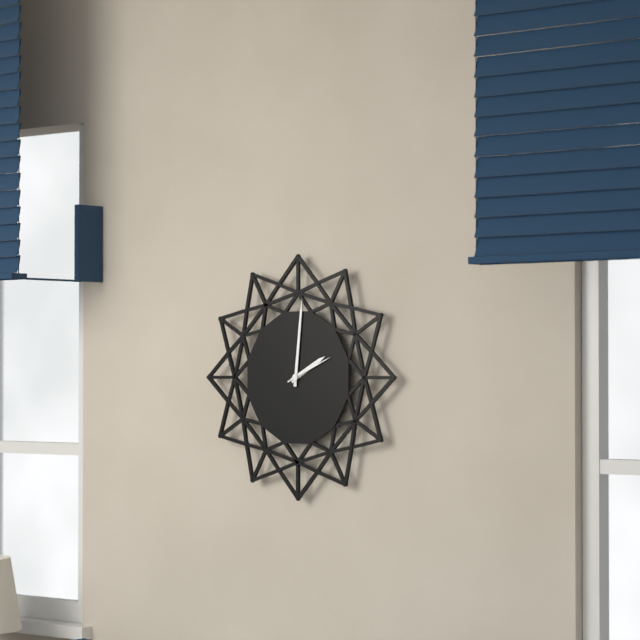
2:01
